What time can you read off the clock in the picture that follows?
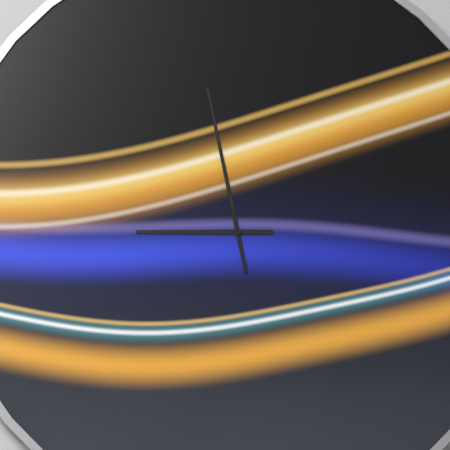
8:58
